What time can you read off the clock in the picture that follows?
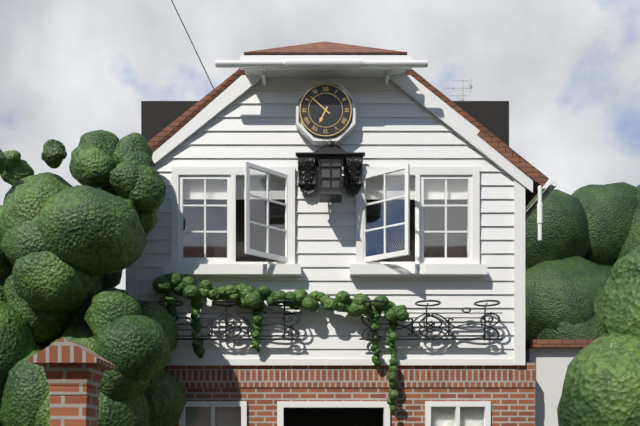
6:52
